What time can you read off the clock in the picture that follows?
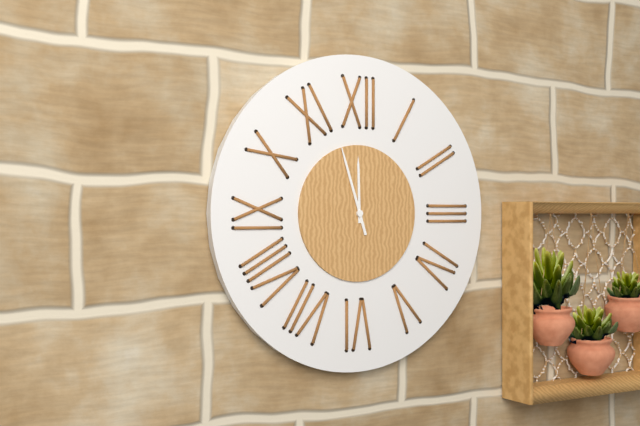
11:57
